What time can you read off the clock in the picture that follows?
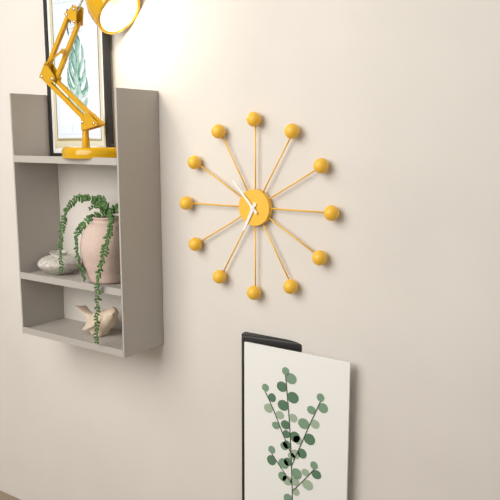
6:53
